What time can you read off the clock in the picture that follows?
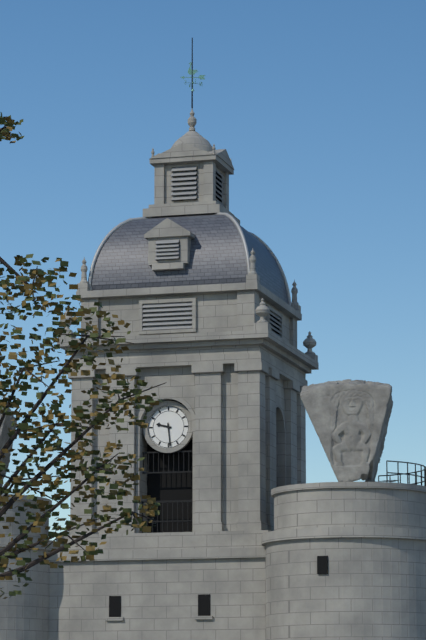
9:29
